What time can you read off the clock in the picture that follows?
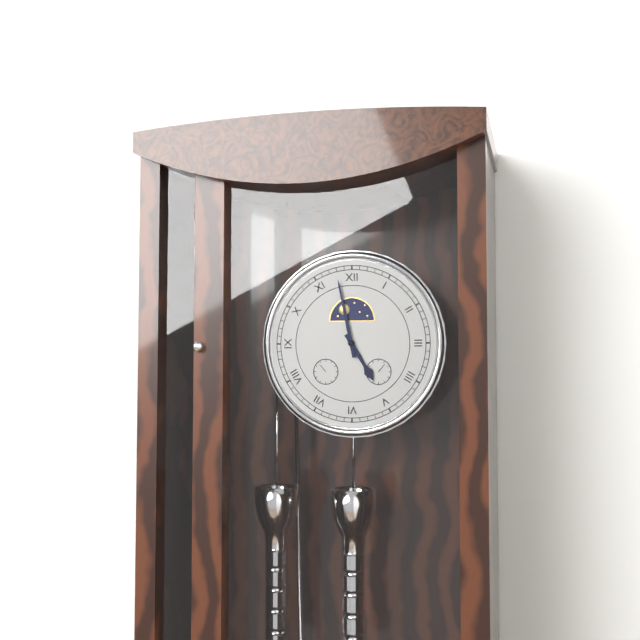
4:58
